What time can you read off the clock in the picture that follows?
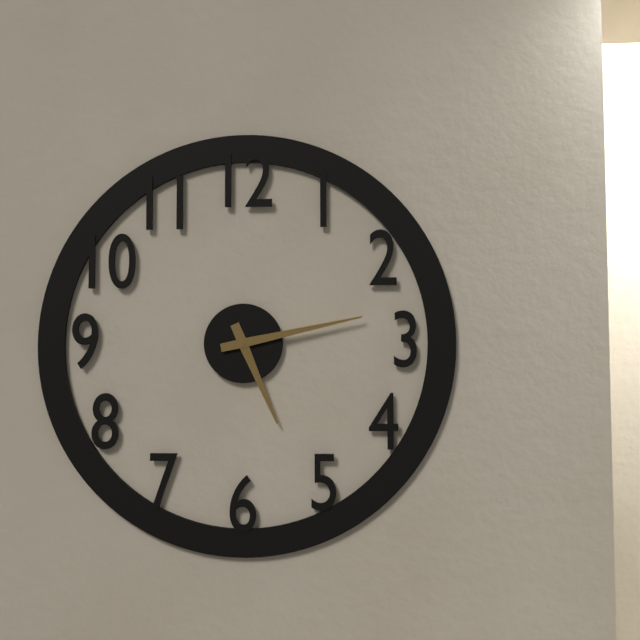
5:13
